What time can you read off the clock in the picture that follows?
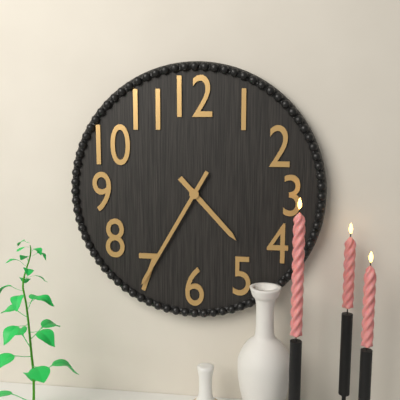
4:35
